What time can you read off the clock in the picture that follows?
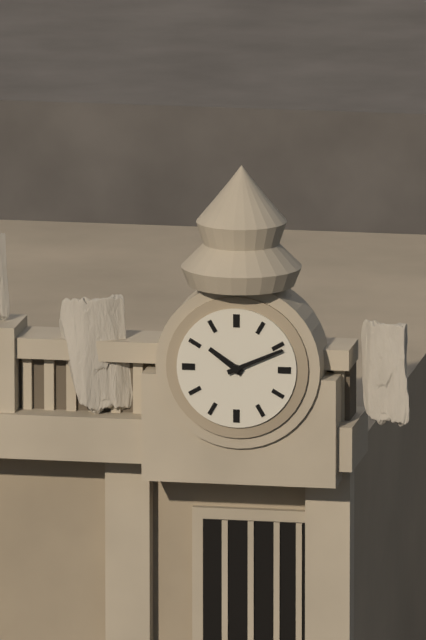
10:11
